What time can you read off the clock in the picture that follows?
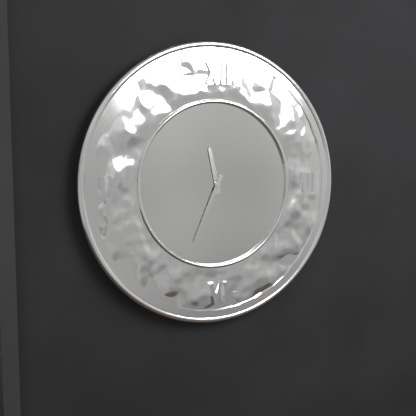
11:34
